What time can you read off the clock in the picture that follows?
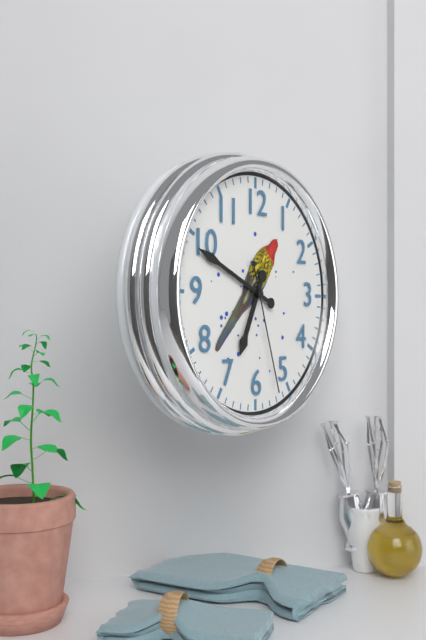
6:49:27
